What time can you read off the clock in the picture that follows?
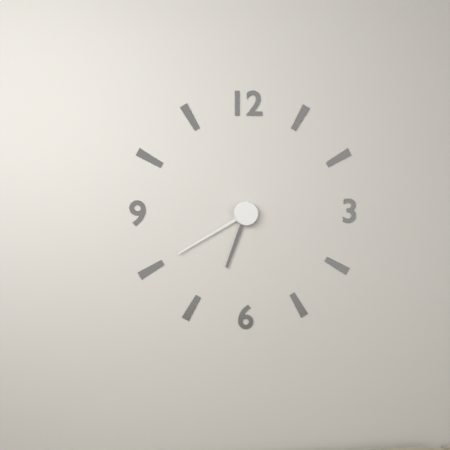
6:40
